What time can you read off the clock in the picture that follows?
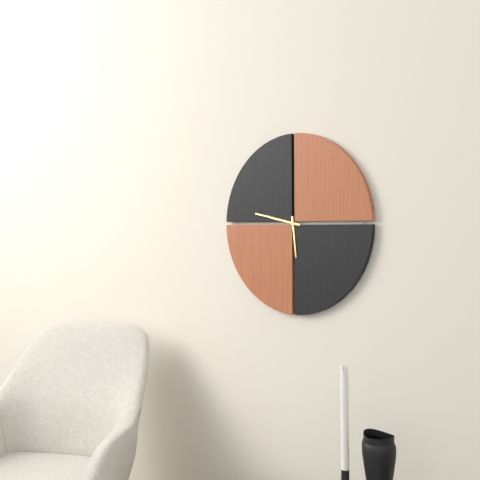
5:47
